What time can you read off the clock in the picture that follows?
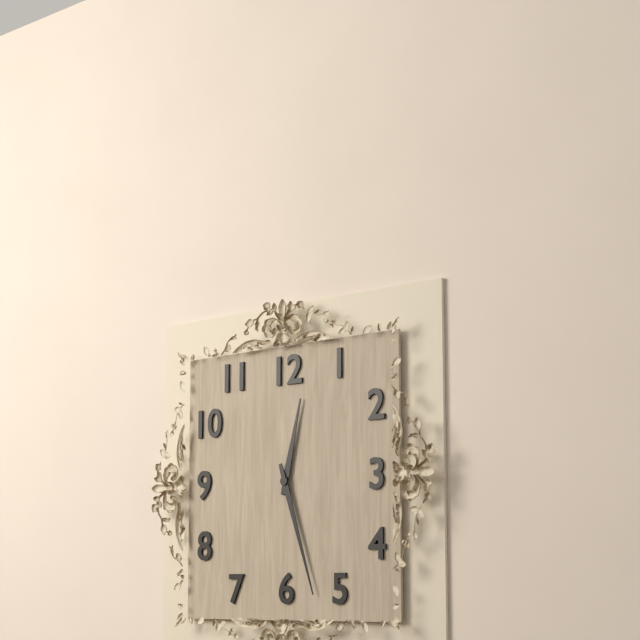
12:27
